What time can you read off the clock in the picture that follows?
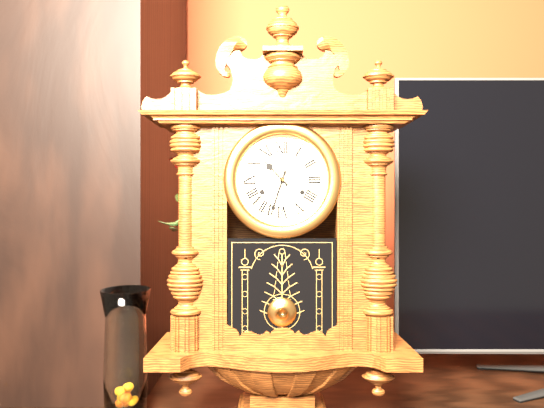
10:33
